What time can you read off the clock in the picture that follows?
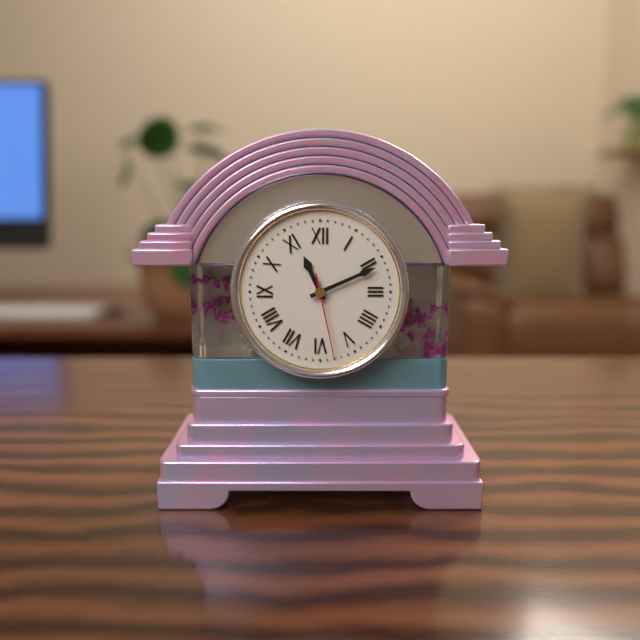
11:11:28
